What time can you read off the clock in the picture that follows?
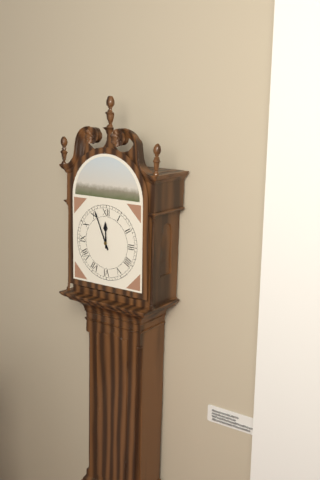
11:56
